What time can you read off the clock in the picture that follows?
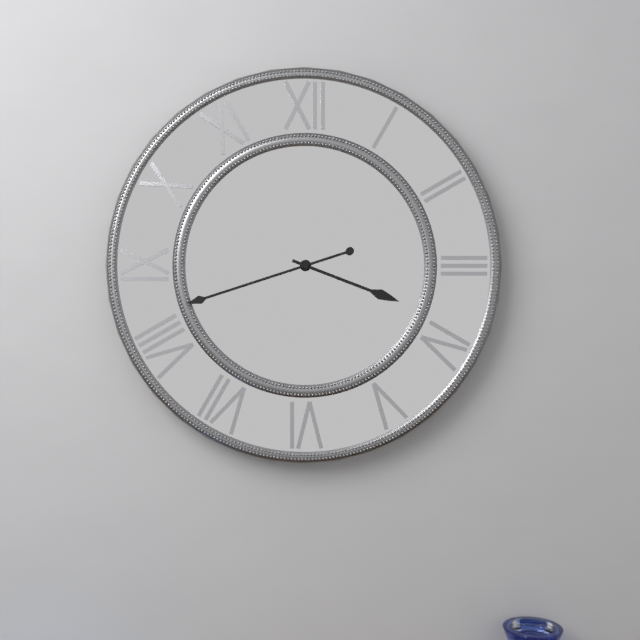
3:42
